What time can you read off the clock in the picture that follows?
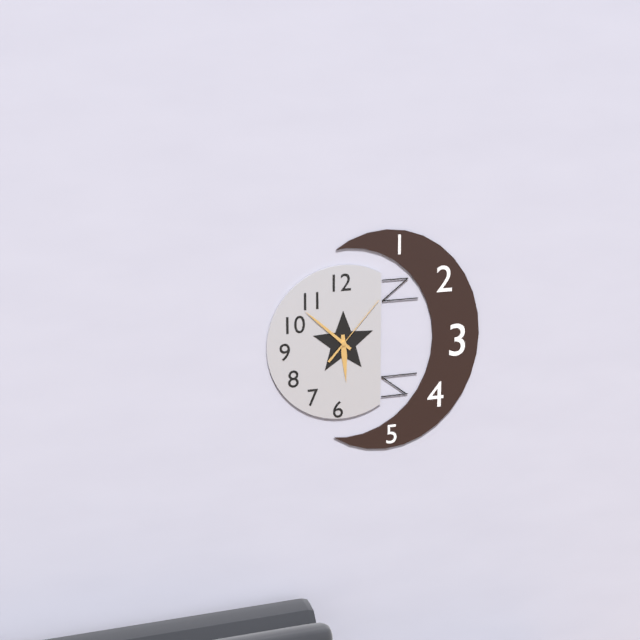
5:52:07
